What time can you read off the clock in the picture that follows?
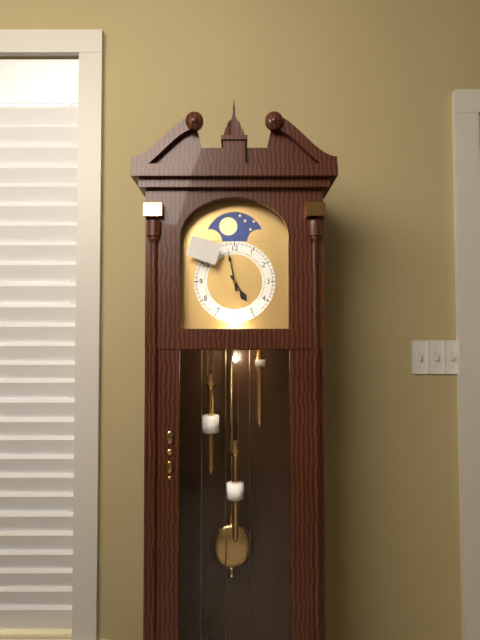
4:58
